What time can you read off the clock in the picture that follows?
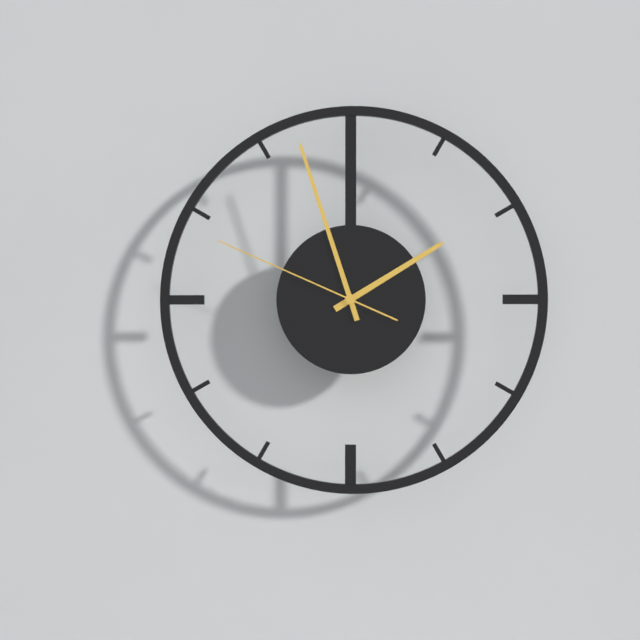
1:57:49
